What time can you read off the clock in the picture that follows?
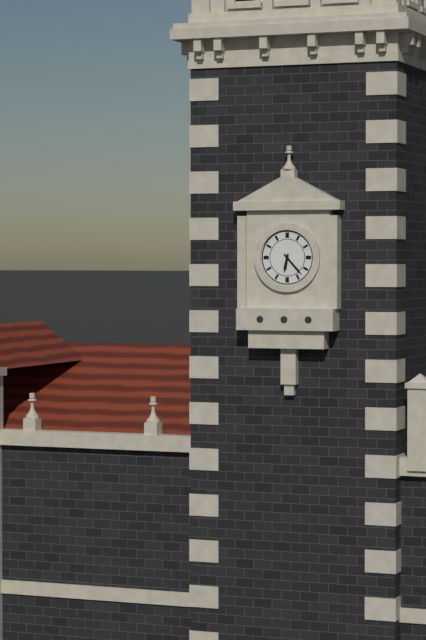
6:23
